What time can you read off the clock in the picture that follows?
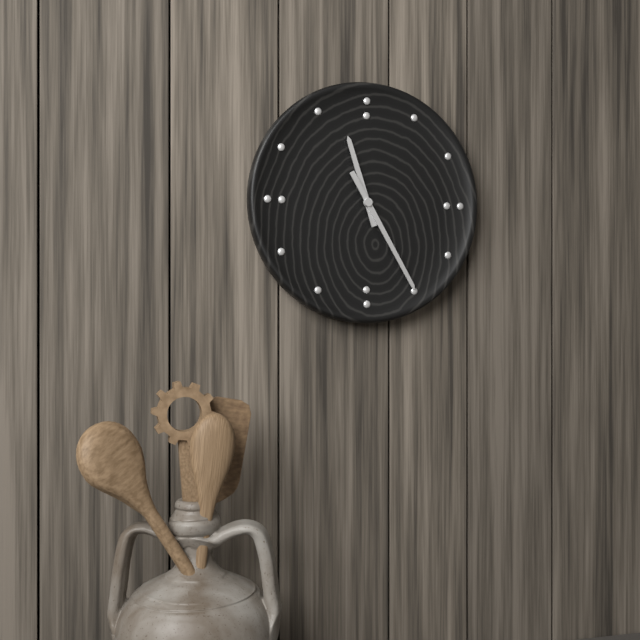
11:25
